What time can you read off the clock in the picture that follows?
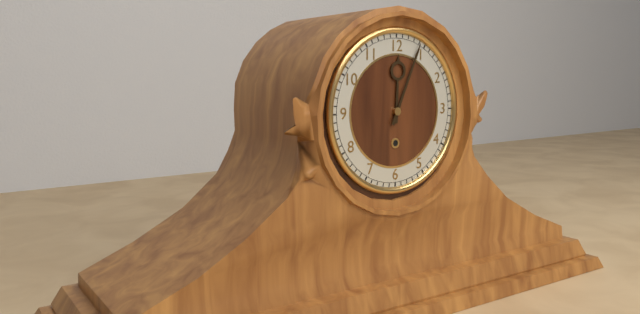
12:04
